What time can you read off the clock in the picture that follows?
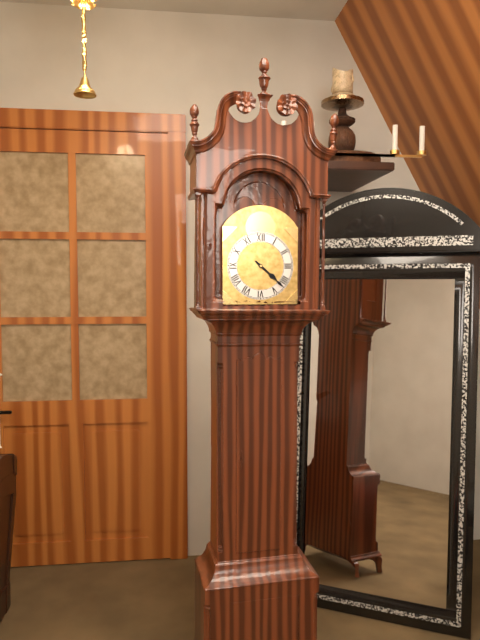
4:22
